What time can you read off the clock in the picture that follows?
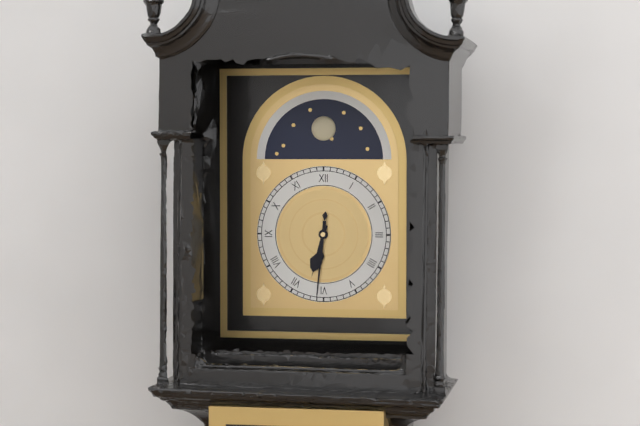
6:31
